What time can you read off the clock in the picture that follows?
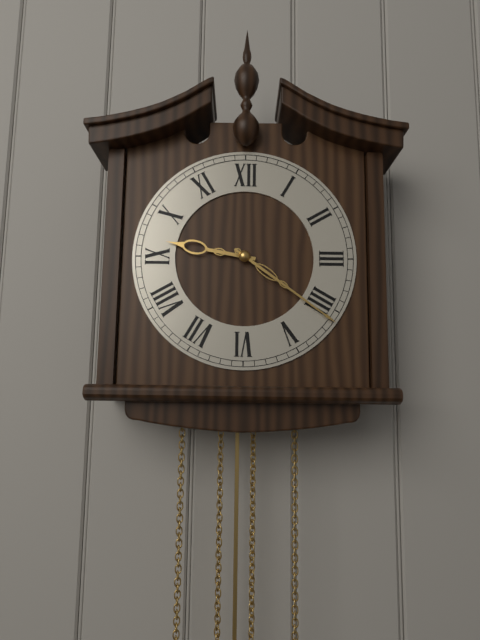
9:21
